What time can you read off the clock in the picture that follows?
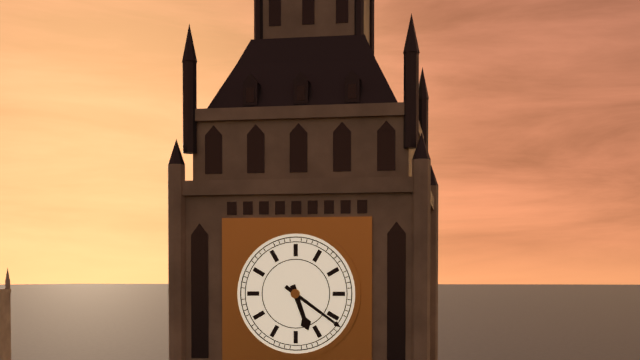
5:21
